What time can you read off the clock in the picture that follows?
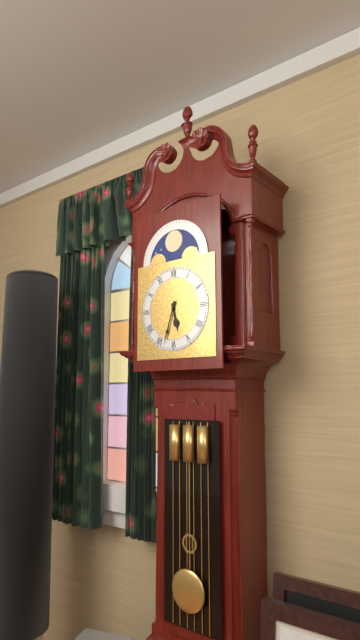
5:33
